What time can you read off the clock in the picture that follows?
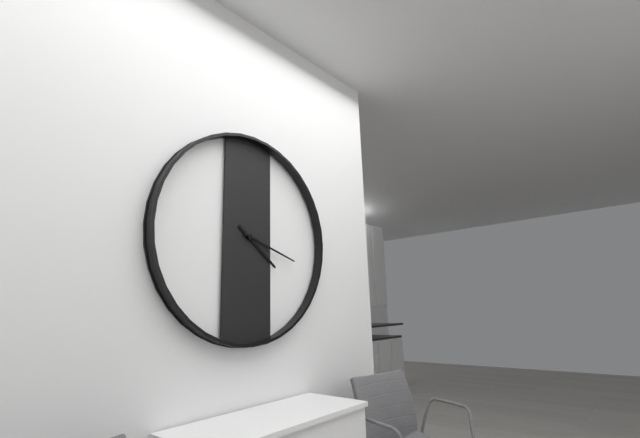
4:18
